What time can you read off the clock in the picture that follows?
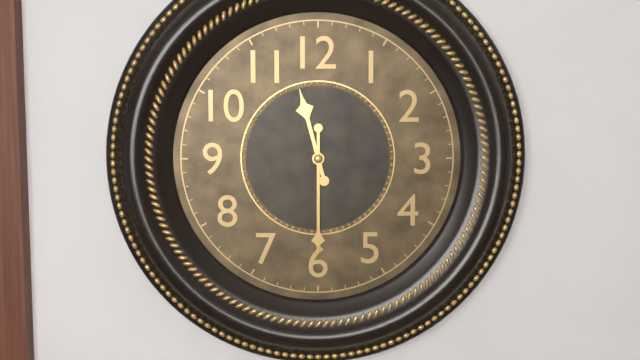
11:30
